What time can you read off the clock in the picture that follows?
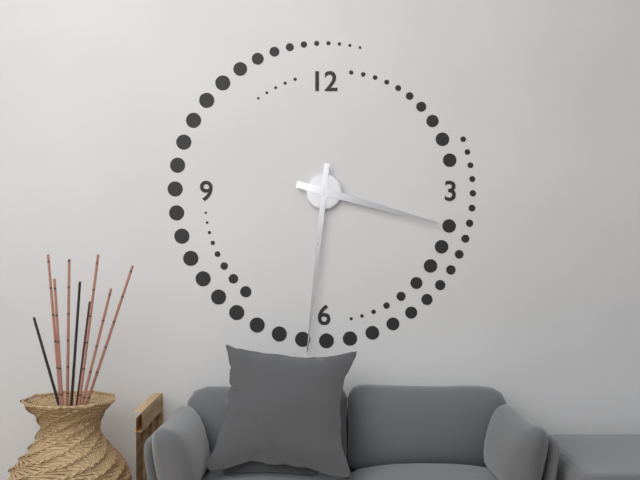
3:31
